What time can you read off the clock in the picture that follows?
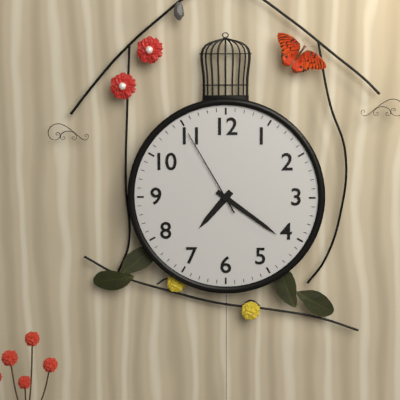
7:21:55
